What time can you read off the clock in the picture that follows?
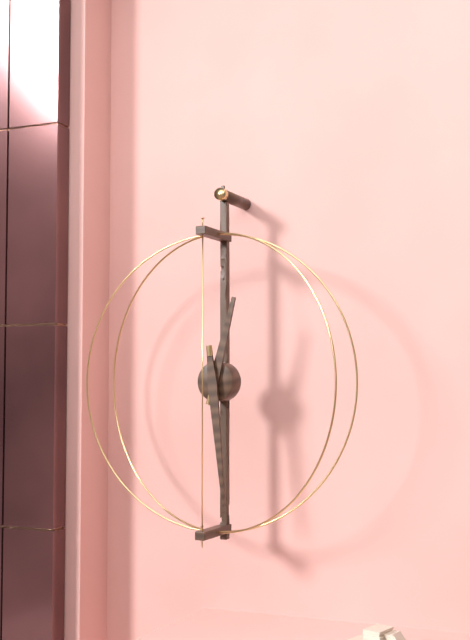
12:29
